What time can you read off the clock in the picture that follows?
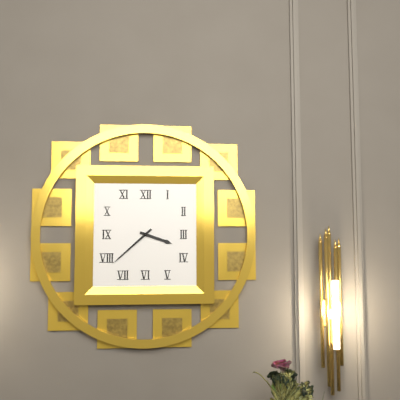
3:38
